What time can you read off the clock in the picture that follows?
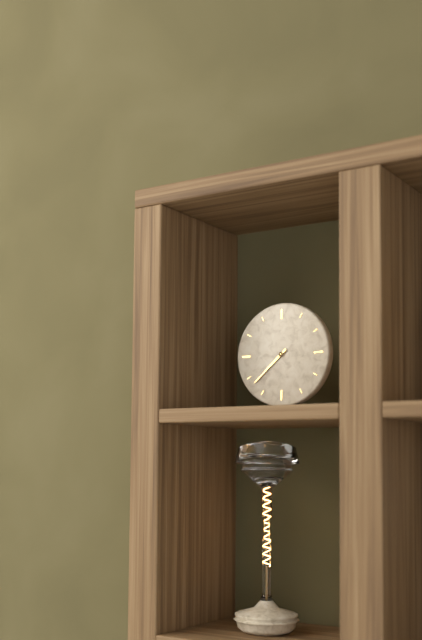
7:38
